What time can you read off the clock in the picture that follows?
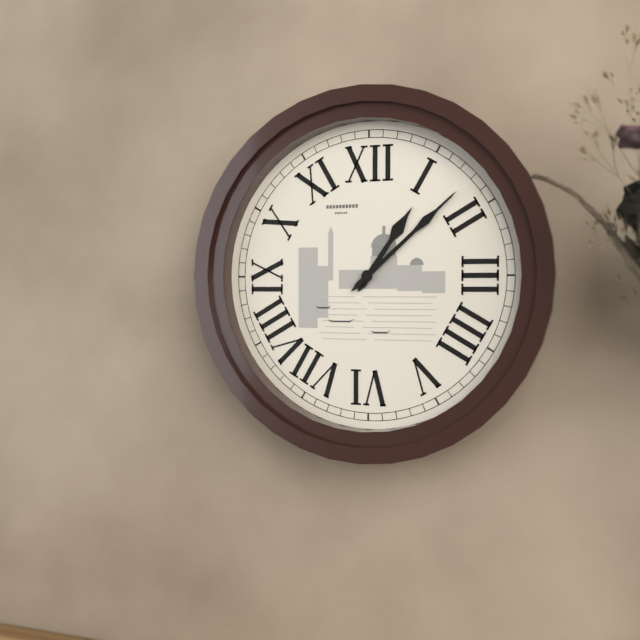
1:08
